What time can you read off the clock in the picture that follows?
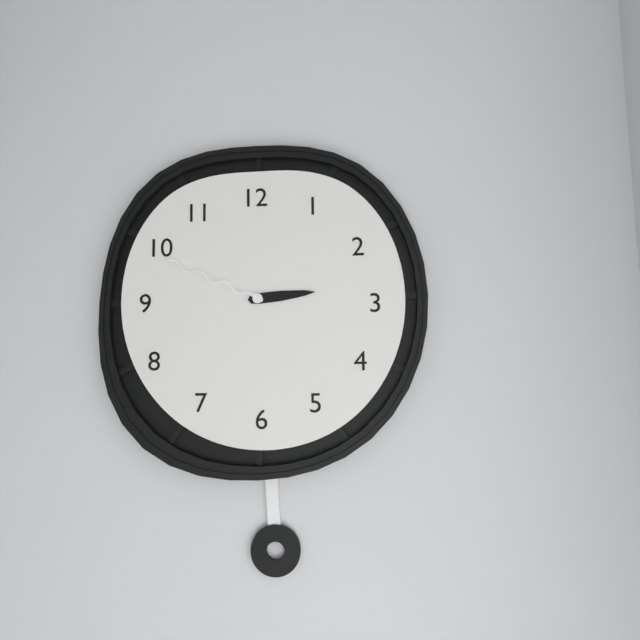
2:49
